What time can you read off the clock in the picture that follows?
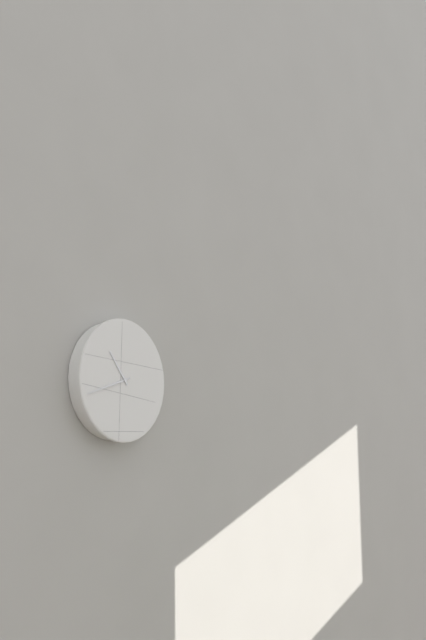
10:42
